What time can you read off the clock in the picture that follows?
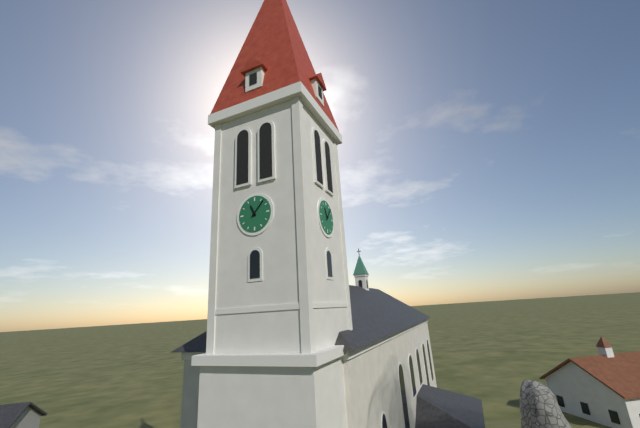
11:07
